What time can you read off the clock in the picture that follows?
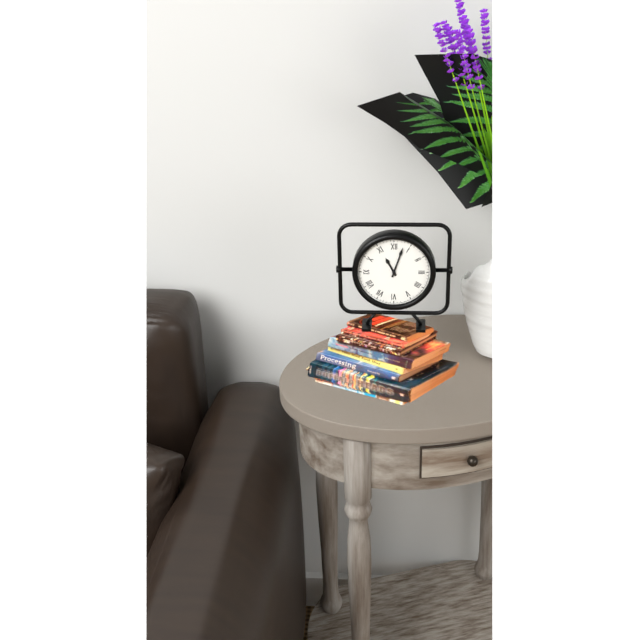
11:03
